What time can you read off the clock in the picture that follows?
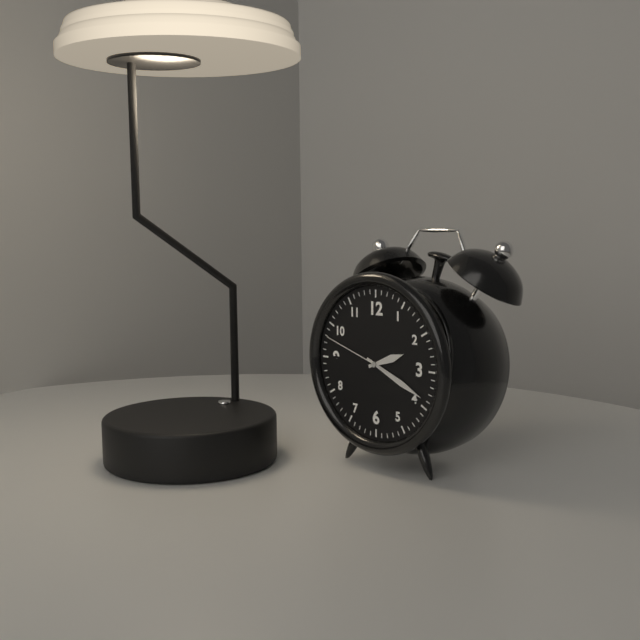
2:19:48
